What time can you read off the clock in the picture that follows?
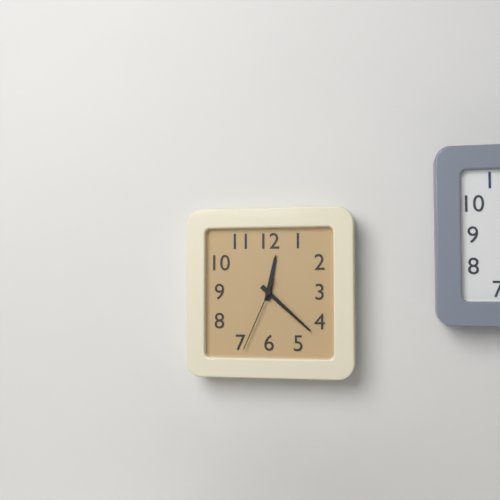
12:22:34
